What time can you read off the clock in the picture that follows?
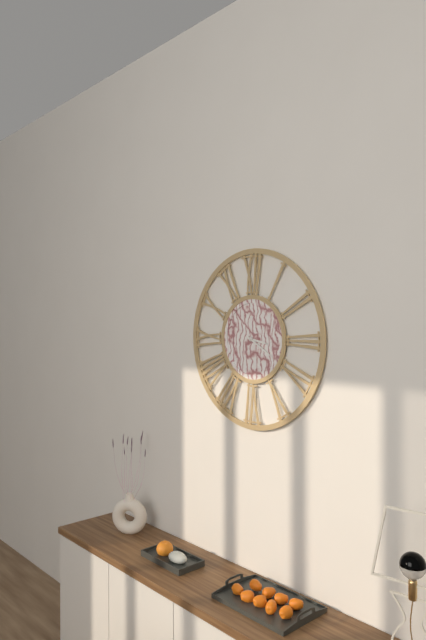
3:20
